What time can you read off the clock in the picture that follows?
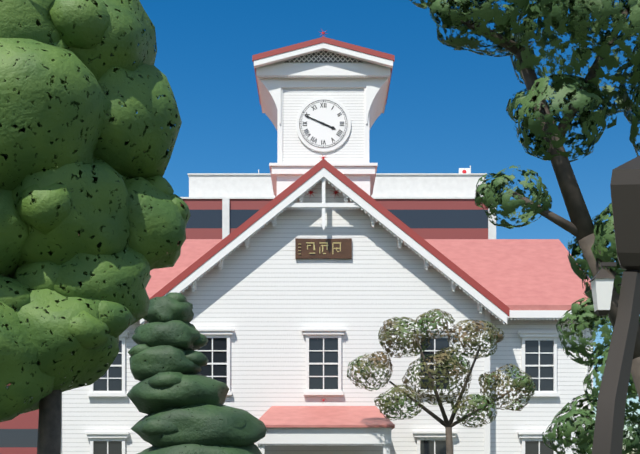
3:49
